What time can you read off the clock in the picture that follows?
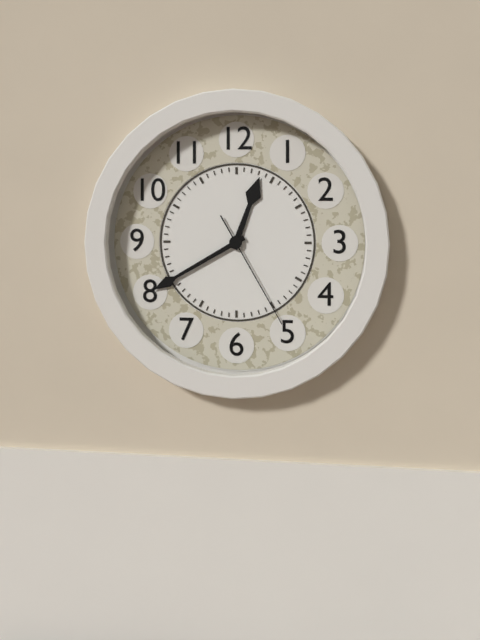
12:40:25
